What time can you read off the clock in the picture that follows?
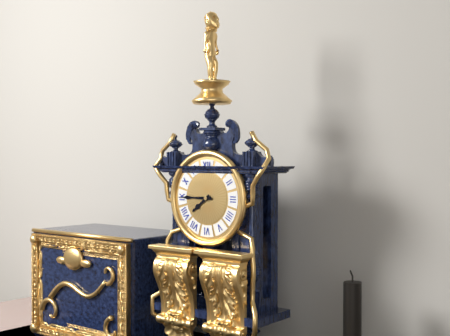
7:45
